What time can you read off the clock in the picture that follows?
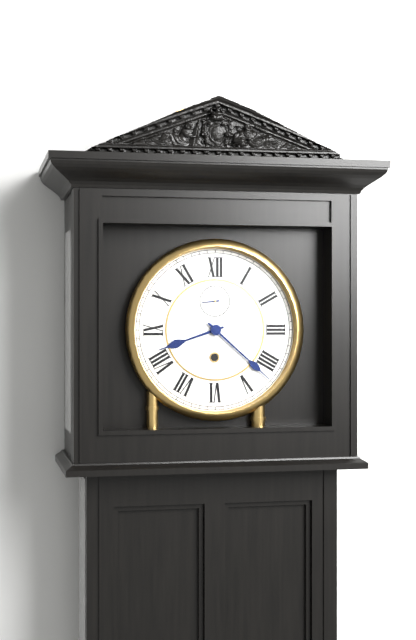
8:22
